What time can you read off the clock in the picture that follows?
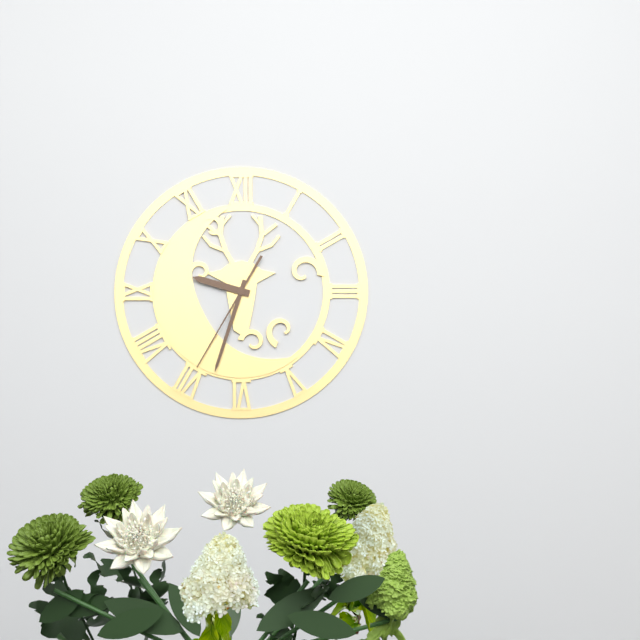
9:33:35
